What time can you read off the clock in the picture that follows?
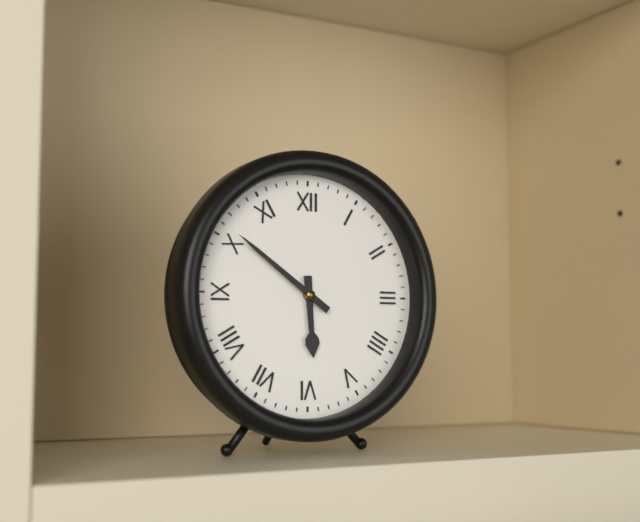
5:51
